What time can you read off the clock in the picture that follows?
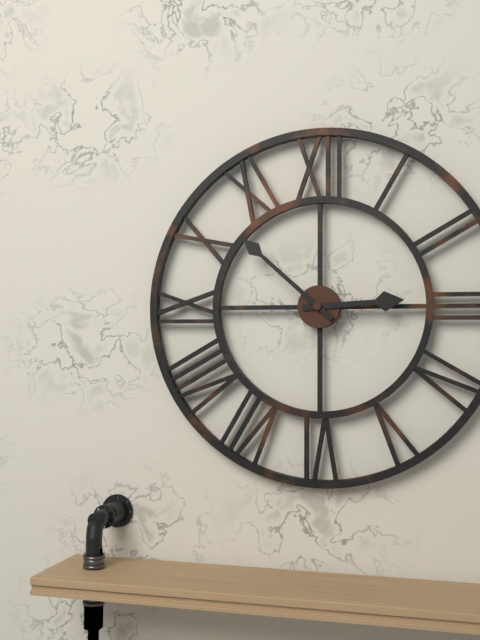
2:52
